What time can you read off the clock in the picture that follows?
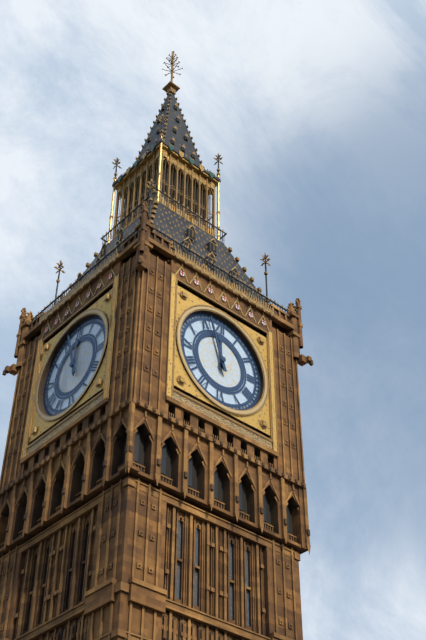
11:57
